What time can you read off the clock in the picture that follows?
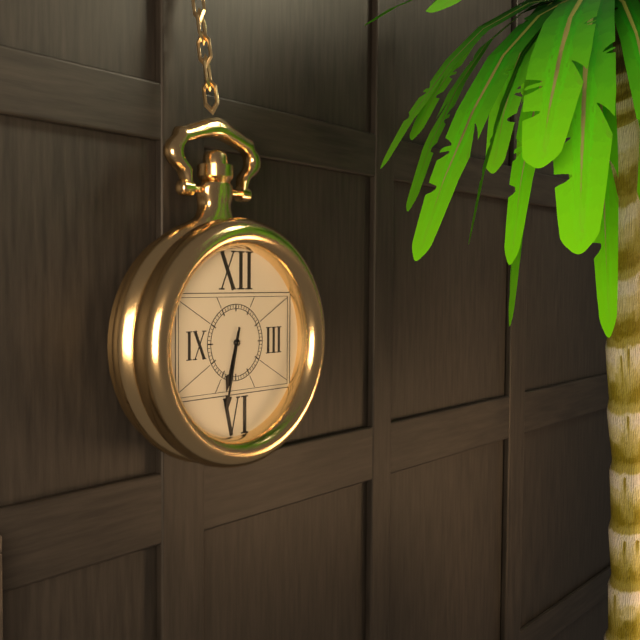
6:32
